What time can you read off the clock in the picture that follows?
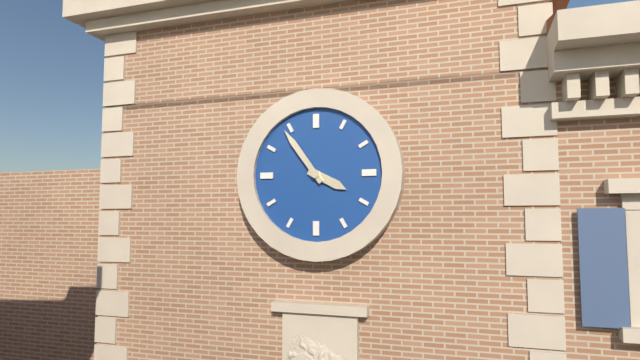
3:54
